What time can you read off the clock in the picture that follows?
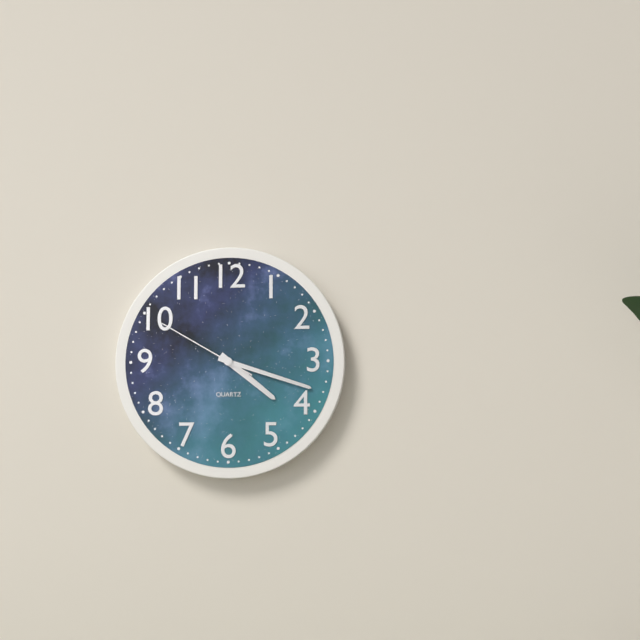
4:18:50
